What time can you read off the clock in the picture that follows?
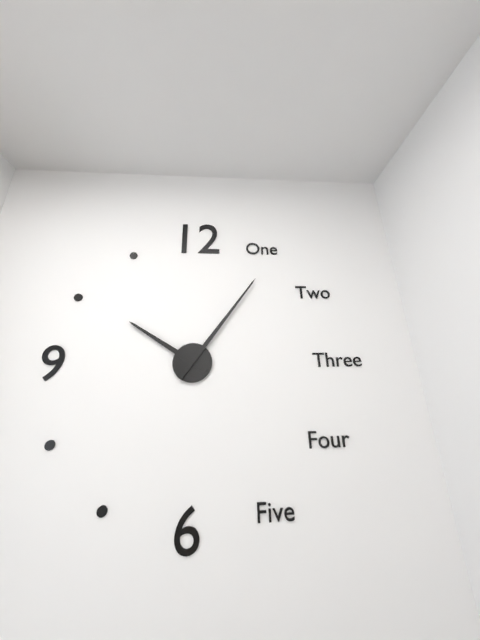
10:06
